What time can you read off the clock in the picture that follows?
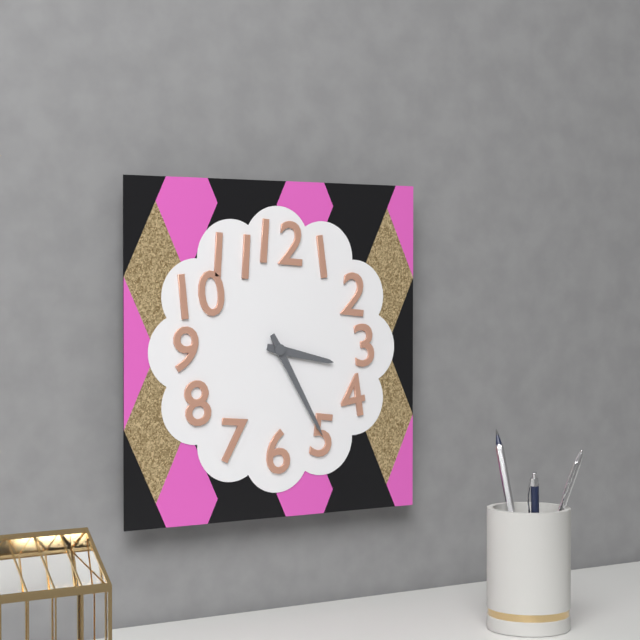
3:25
